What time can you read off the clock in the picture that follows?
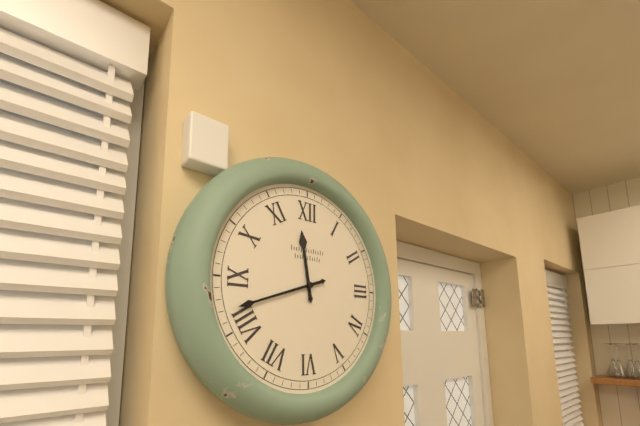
11:42
